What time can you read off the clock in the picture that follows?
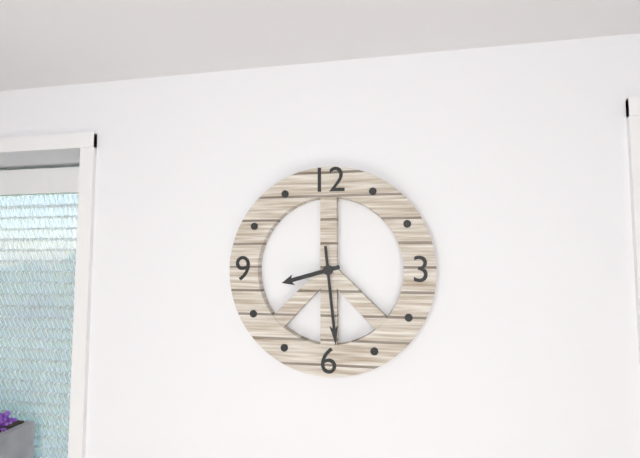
8:29
